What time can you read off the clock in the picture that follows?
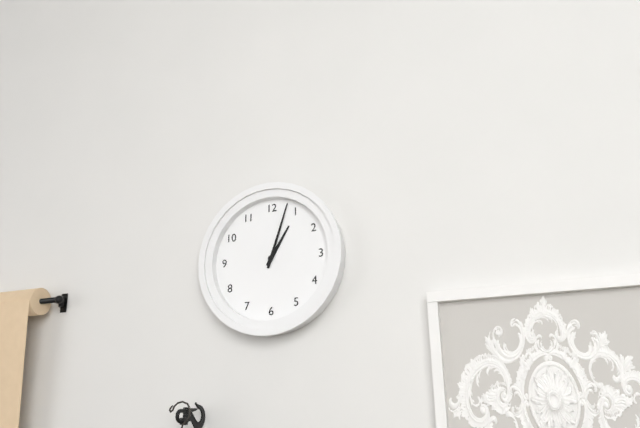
1:03
